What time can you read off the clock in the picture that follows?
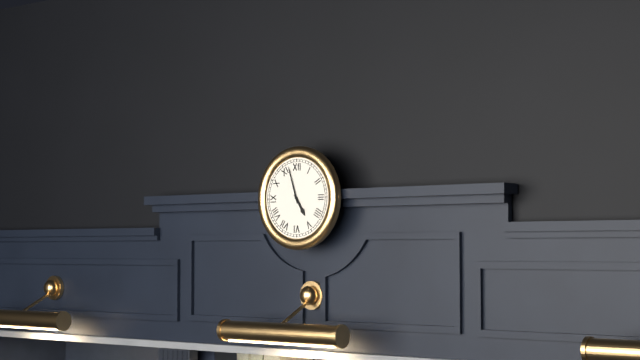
4:57
